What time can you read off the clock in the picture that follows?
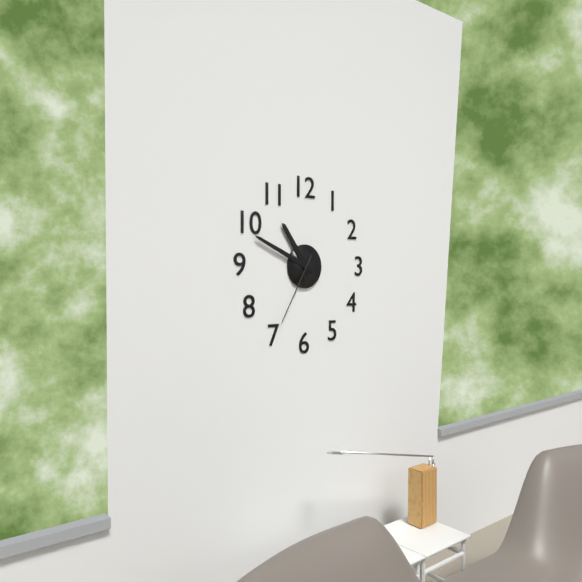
10:49:35
